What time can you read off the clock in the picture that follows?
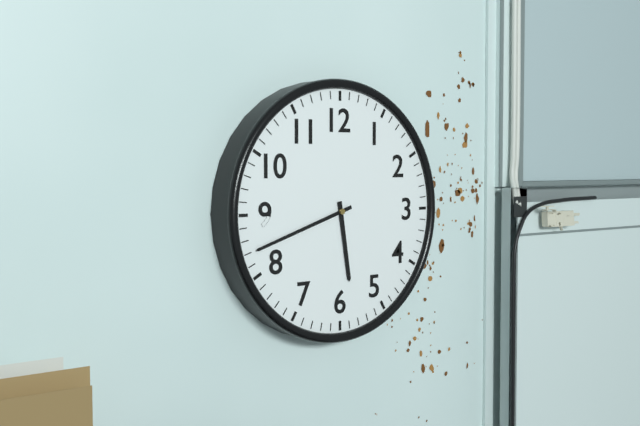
5:42
